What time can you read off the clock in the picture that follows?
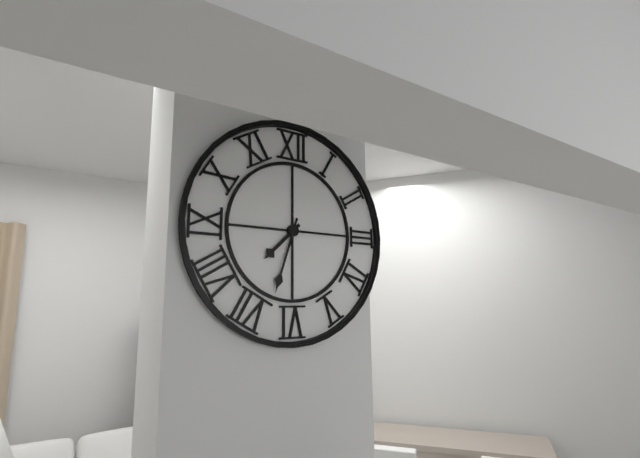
7:33
